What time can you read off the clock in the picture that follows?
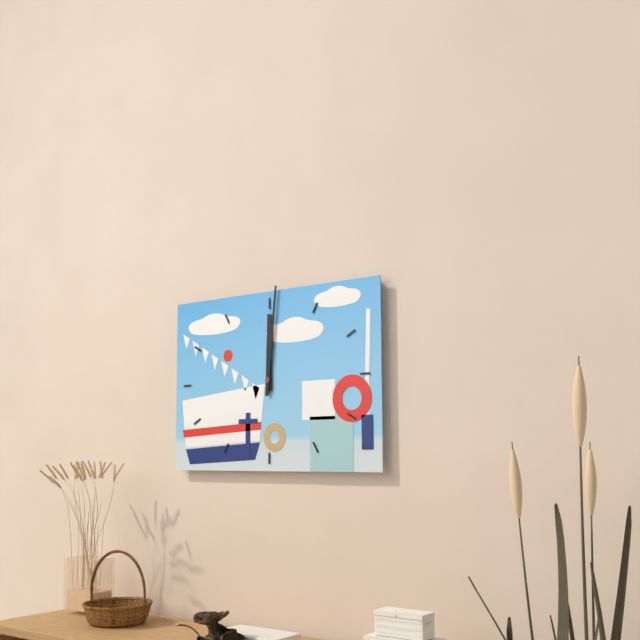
12:01
